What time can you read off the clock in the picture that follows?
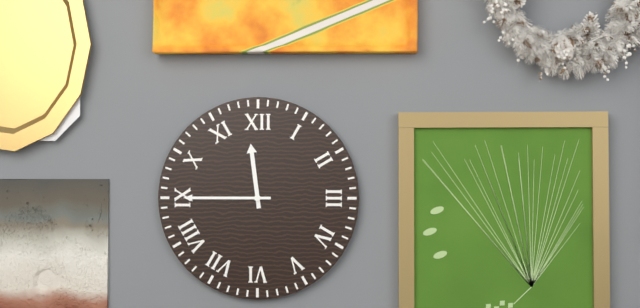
11:45
